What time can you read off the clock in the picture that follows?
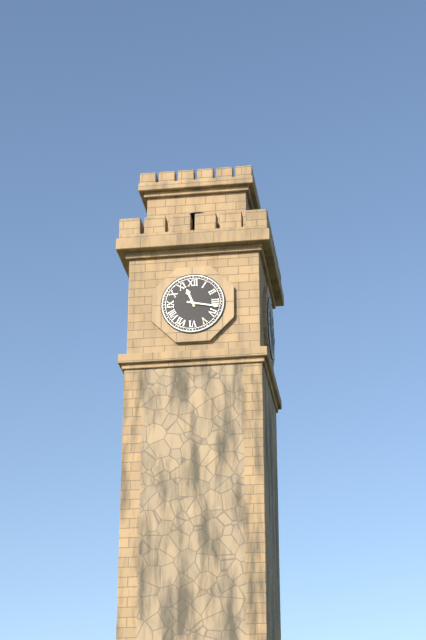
11:17
